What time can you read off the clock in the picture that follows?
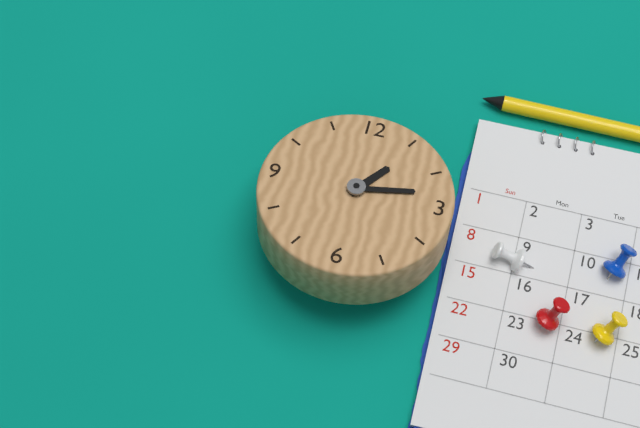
1:13
